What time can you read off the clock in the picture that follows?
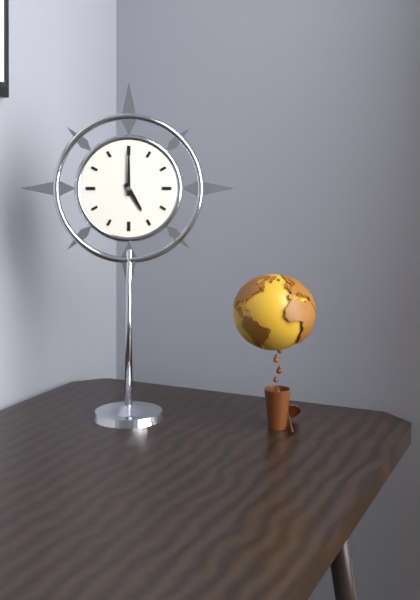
5:00
